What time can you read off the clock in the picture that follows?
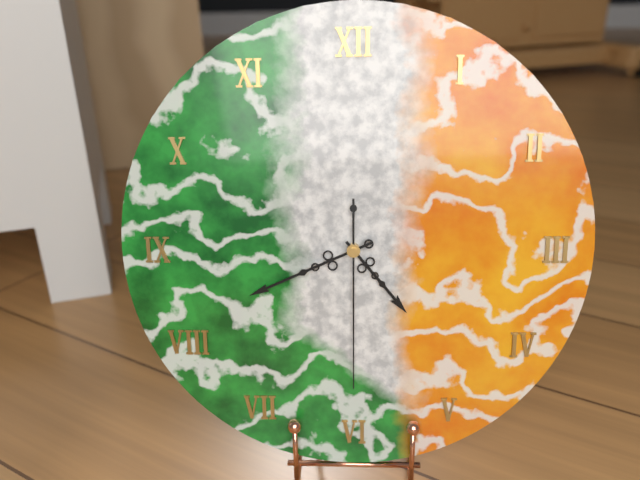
4:41:30
